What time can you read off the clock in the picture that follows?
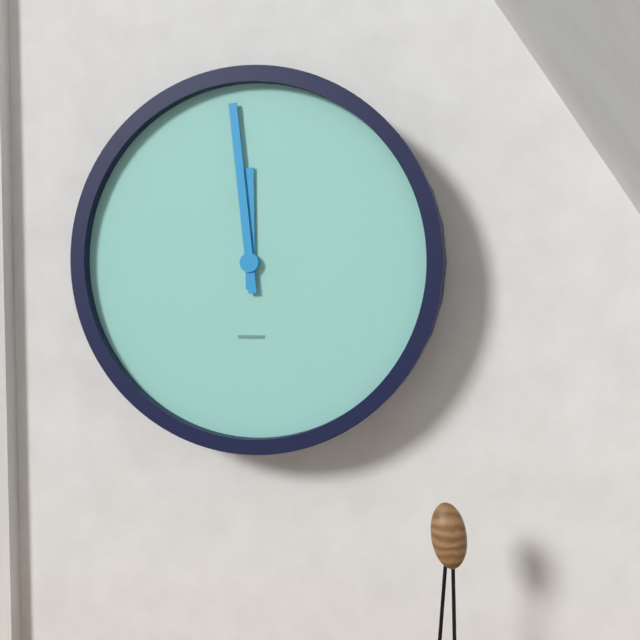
11:59
